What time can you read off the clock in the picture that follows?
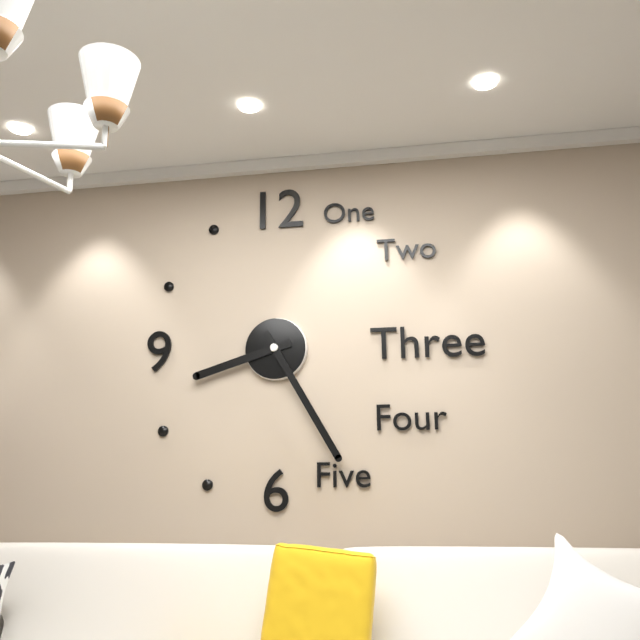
8:25
